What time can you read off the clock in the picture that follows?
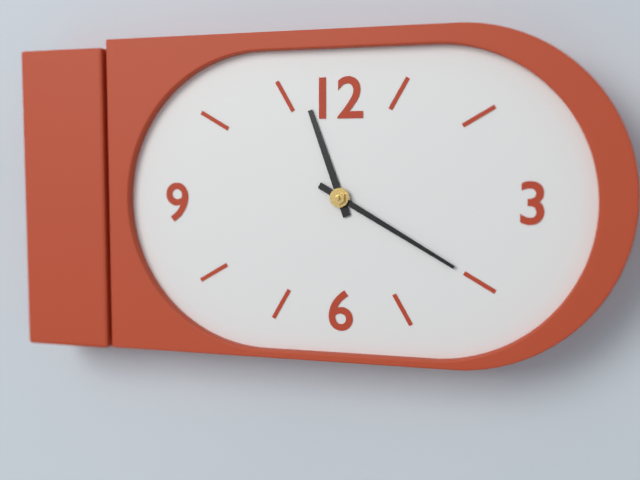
11:20
